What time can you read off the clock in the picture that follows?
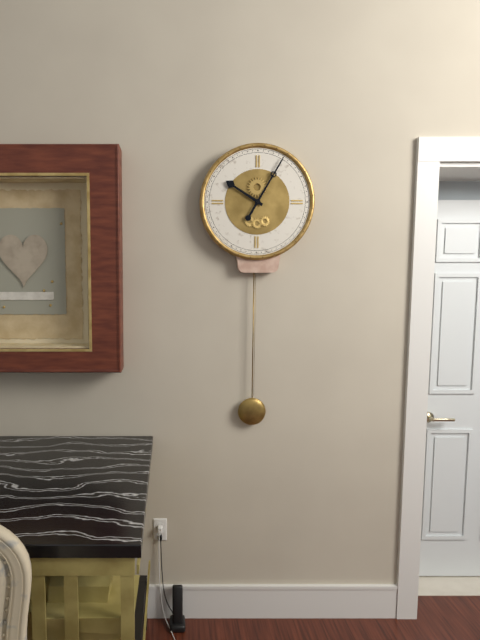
10:05
